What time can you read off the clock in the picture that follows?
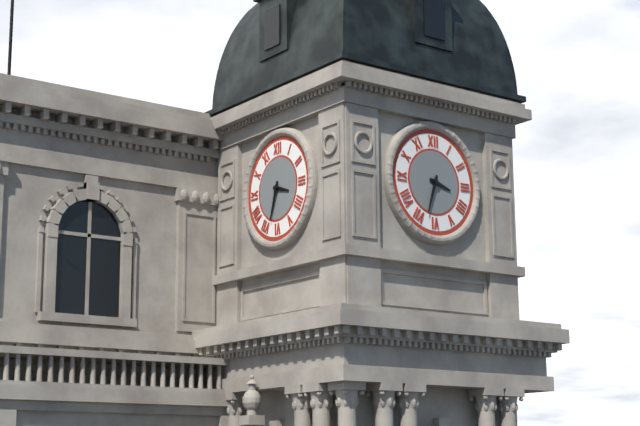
3:33
